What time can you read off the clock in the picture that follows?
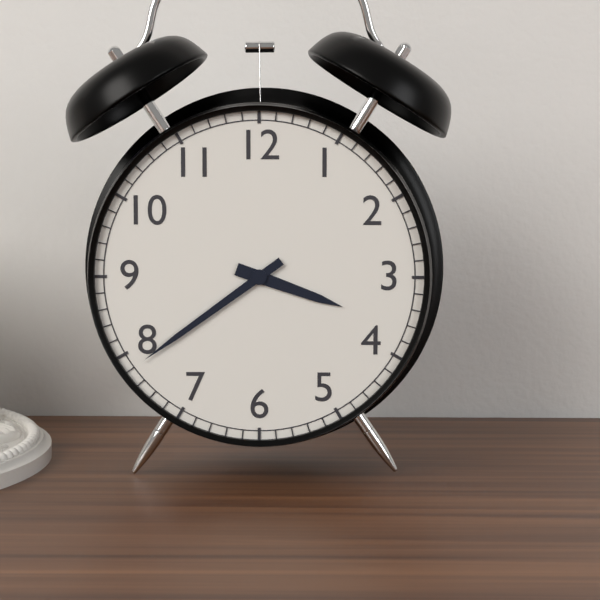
3:39
